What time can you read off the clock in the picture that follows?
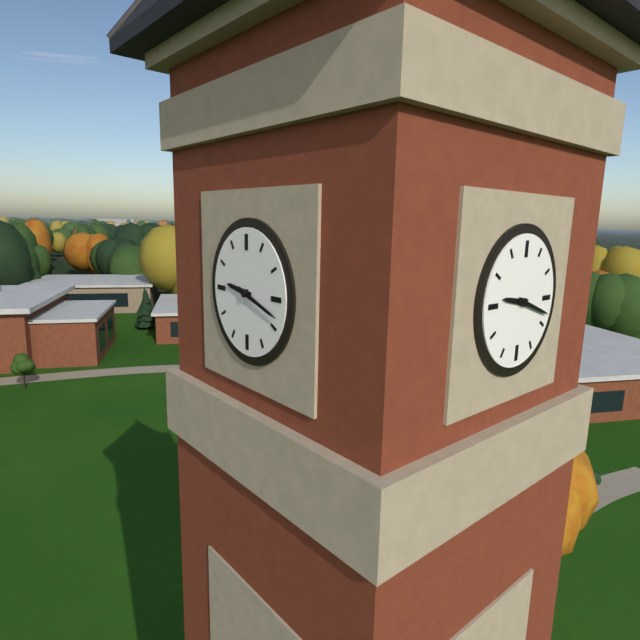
9:18
